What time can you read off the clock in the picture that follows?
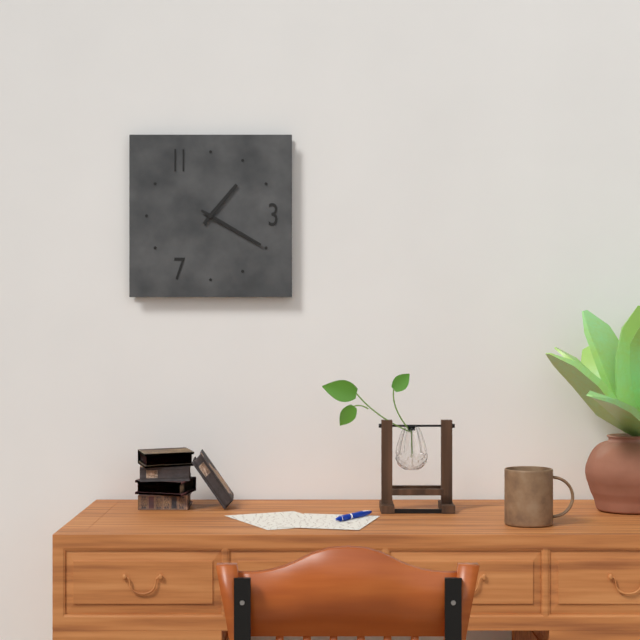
1:20
